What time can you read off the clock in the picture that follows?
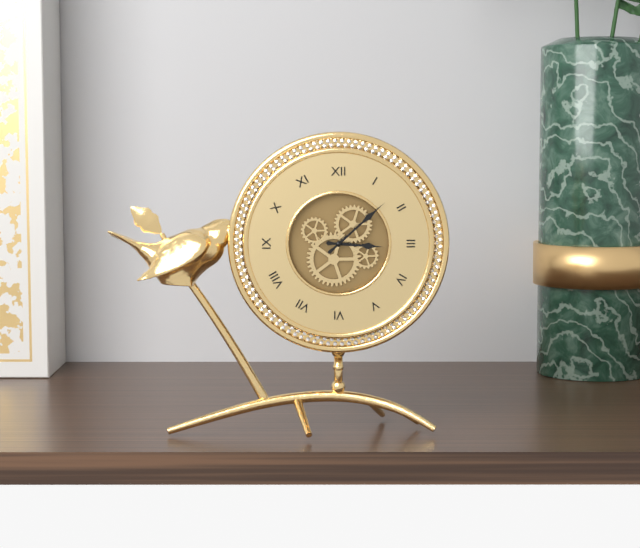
3:08
